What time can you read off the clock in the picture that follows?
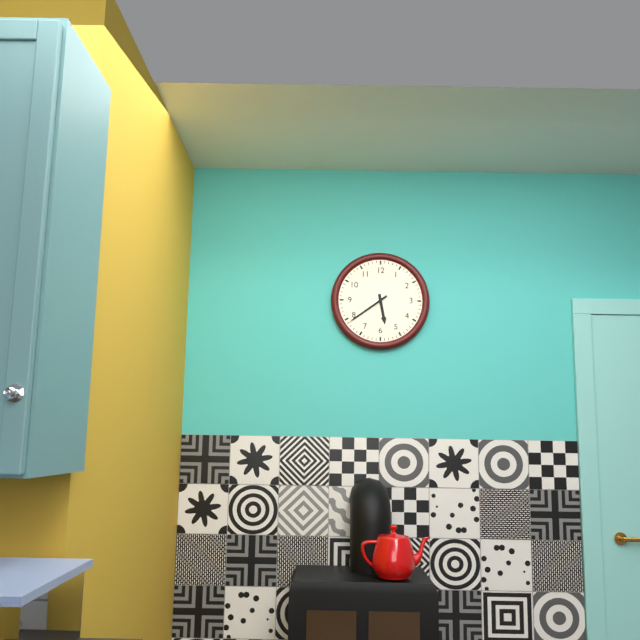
5:39
